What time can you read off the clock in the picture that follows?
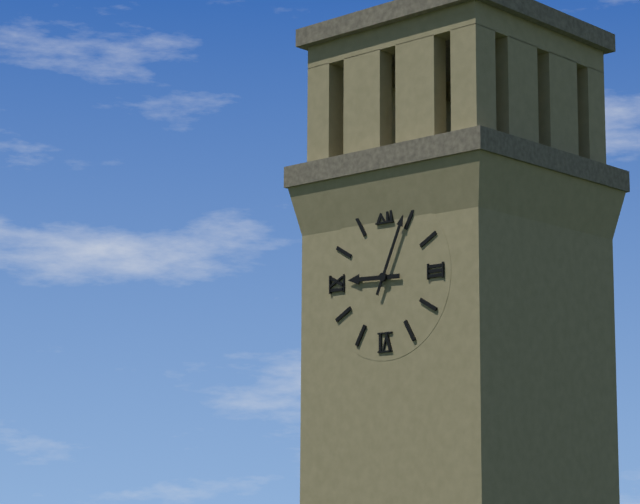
9:04
